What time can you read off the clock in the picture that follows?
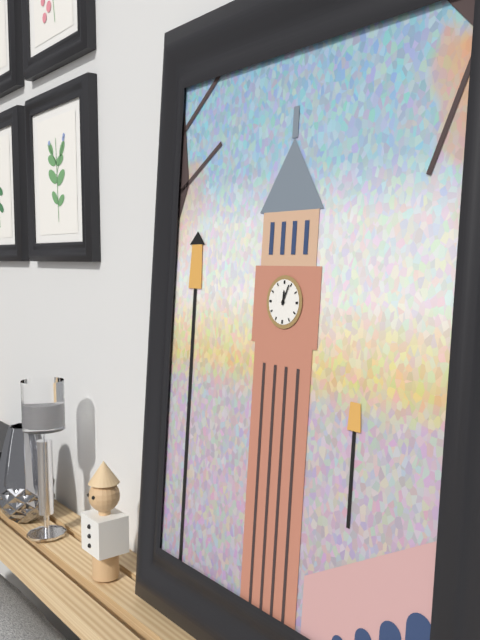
12:04
